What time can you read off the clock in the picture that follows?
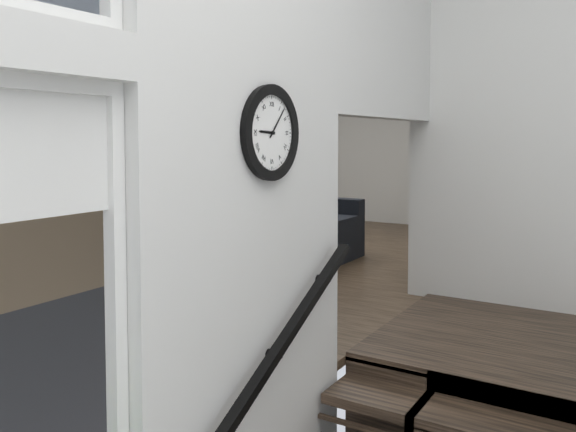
9:07
